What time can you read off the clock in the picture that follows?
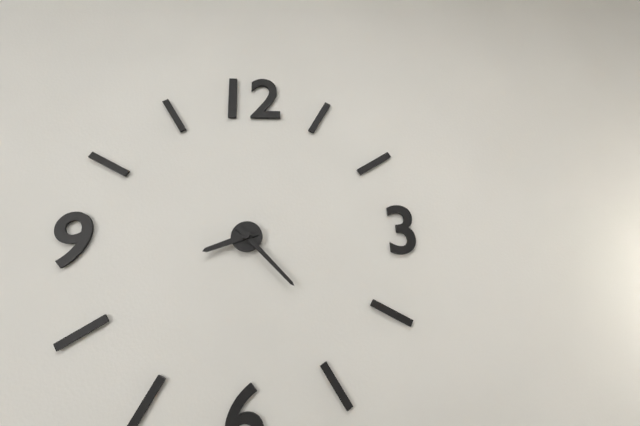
8:23
